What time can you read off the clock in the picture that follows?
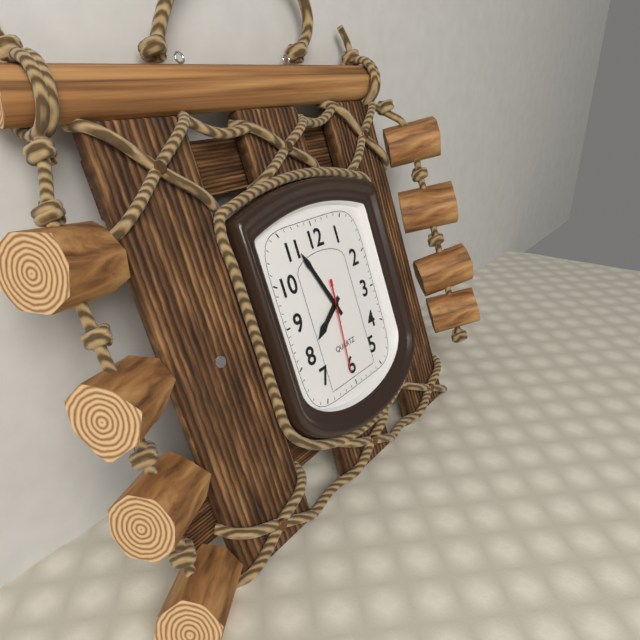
7:56:31
